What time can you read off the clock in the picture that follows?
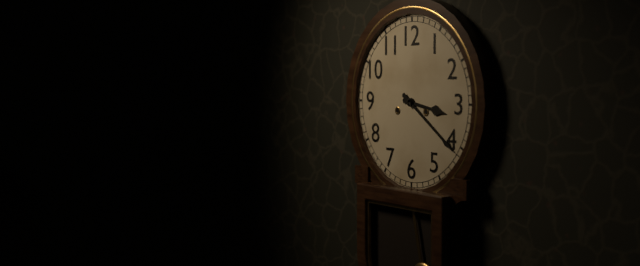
3:21
